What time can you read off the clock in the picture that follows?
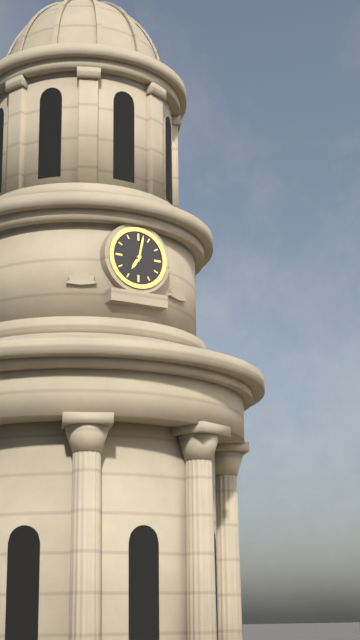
7:02
